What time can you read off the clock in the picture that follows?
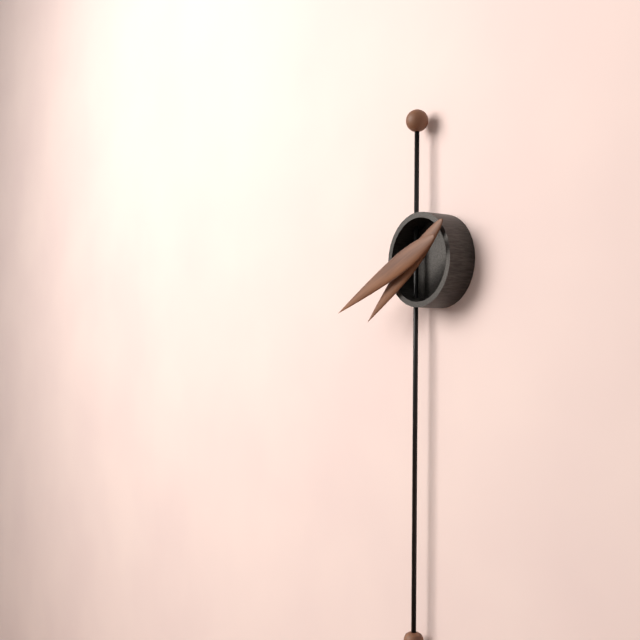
7:41
